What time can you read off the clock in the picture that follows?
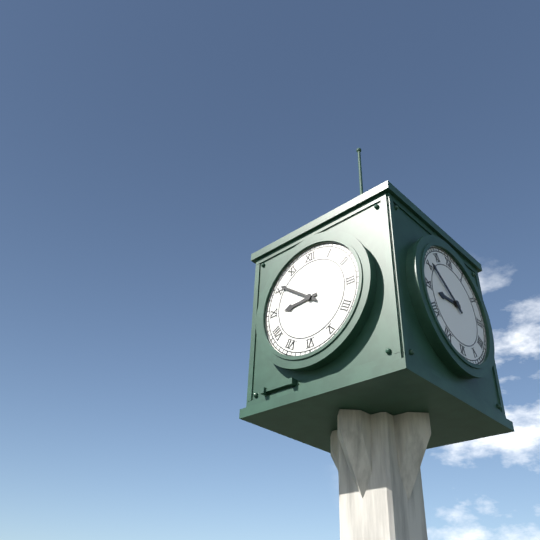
8:51
